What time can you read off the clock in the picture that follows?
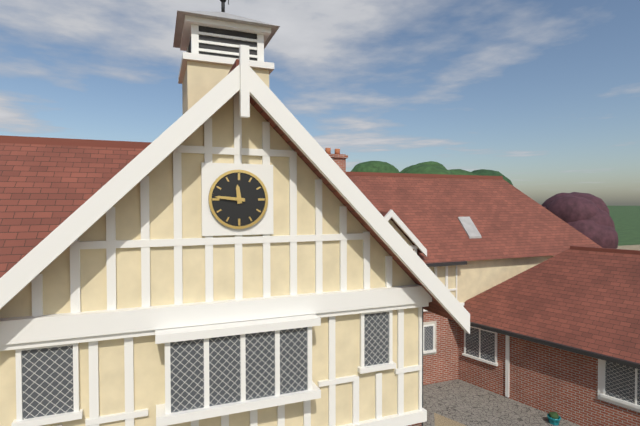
11:46
